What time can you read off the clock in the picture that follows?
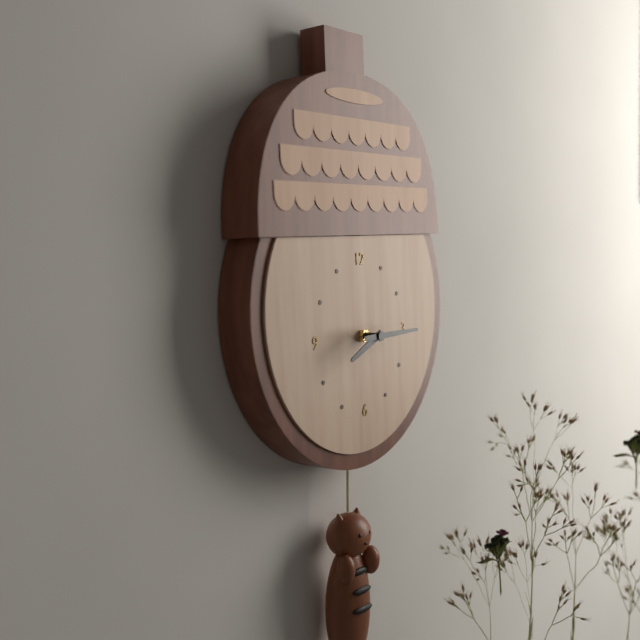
8:15
